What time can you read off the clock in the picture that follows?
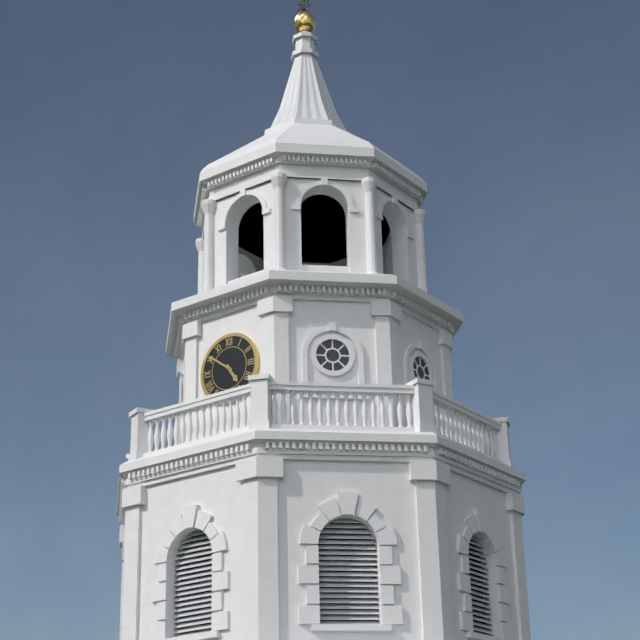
4:51
